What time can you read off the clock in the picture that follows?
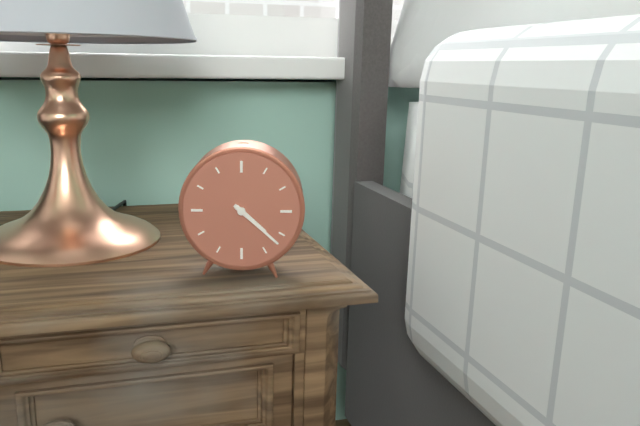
4:22
